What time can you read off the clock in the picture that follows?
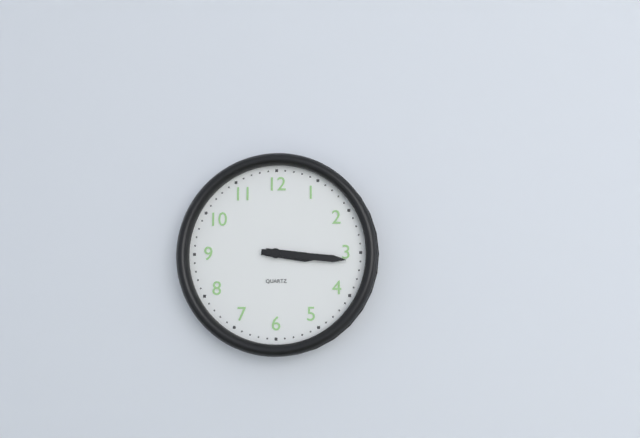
3:16
